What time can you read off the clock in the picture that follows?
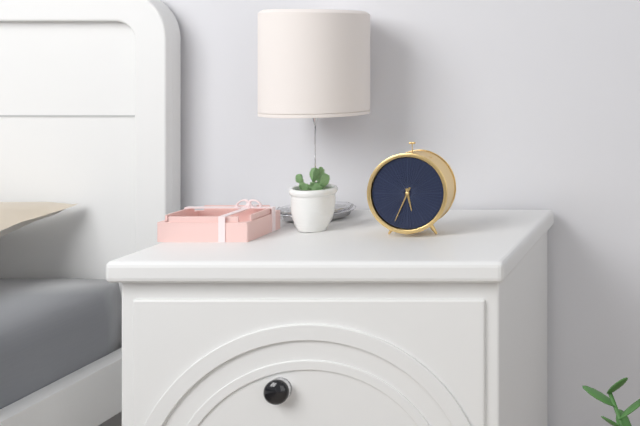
5:34
